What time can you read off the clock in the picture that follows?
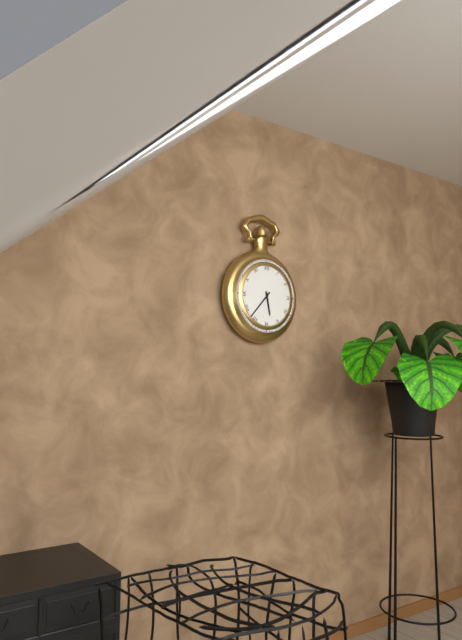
5:37
